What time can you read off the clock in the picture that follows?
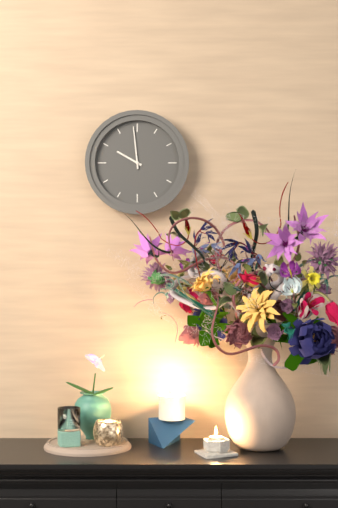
9:59
